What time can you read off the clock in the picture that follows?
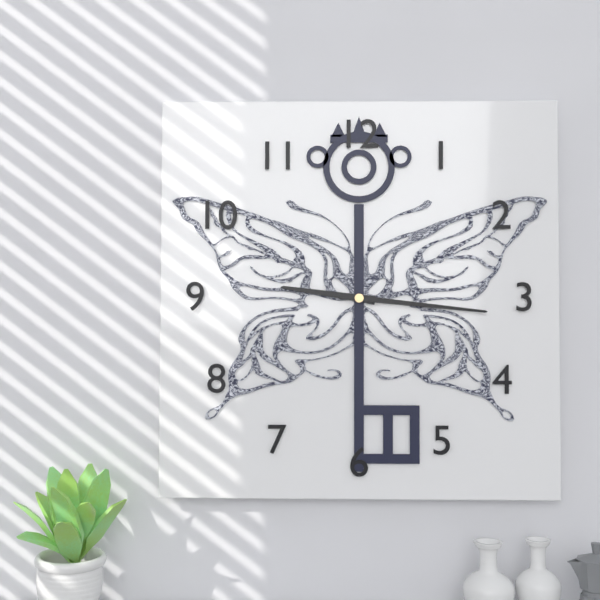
9:16
